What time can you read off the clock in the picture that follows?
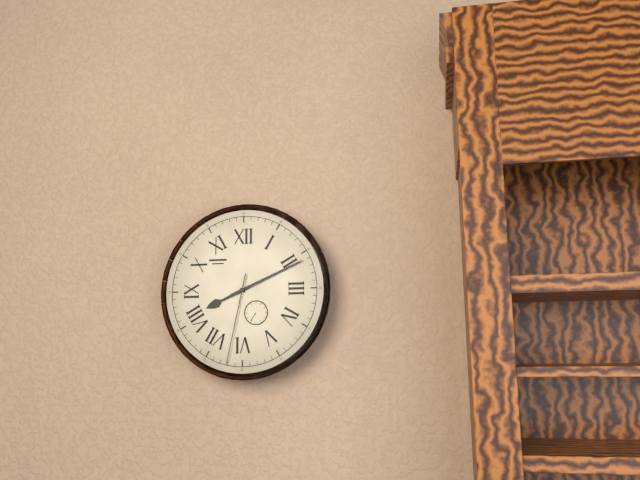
8:11:32
